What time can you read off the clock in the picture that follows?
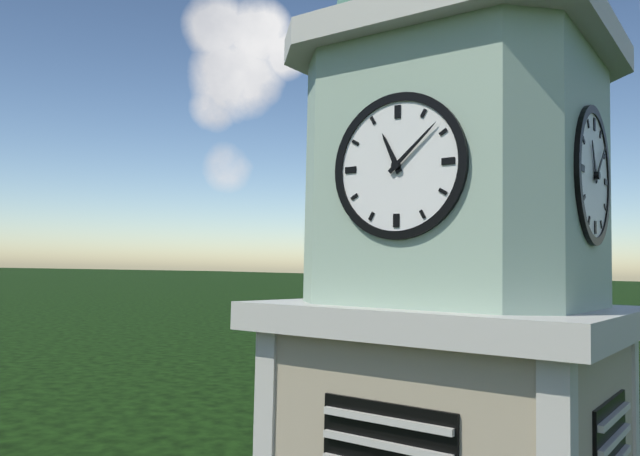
11:08
